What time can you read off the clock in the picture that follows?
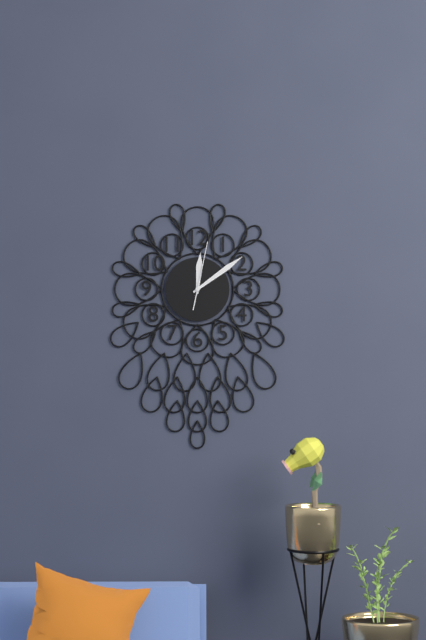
12:09:02
